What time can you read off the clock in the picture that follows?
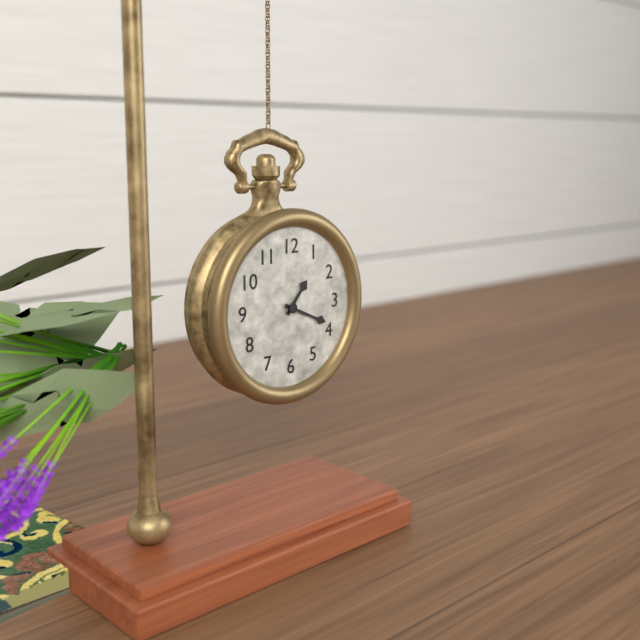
1:19
